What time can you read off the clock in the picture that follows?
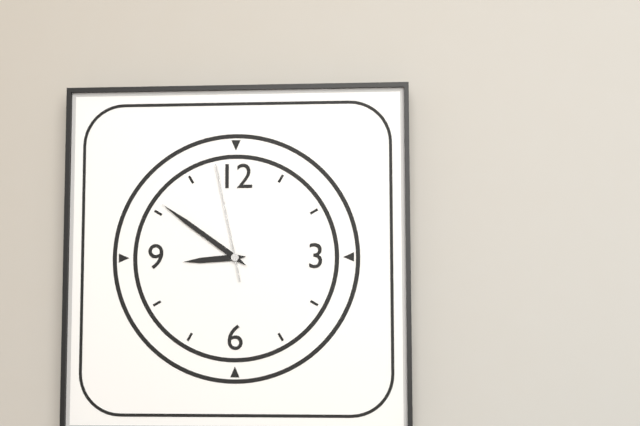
8:51:58
